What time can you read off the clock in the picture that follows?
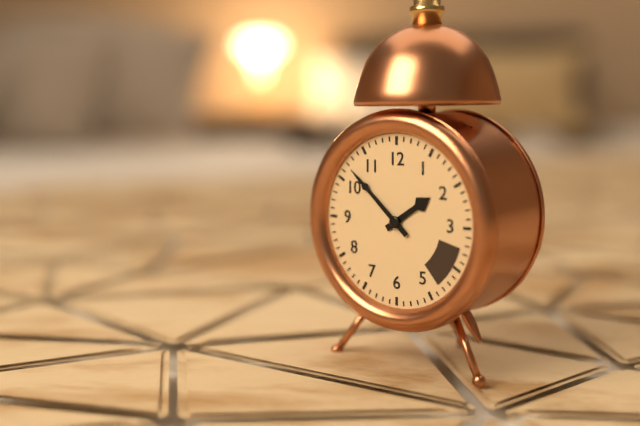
1:52
